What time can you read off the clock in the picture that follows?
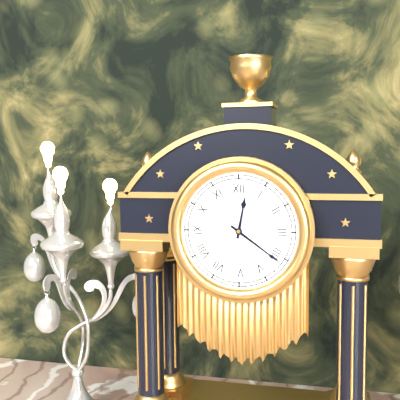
12:21
